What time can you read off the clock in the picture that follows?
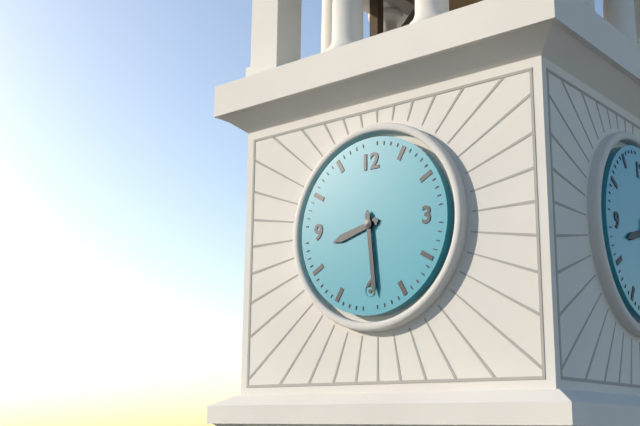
8:29
